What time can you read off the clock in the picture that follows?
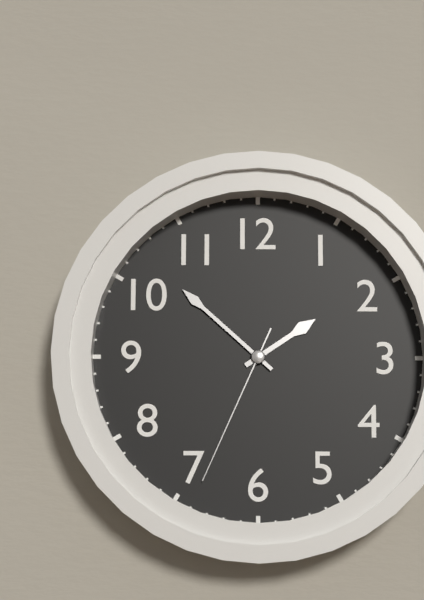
1:52:34
